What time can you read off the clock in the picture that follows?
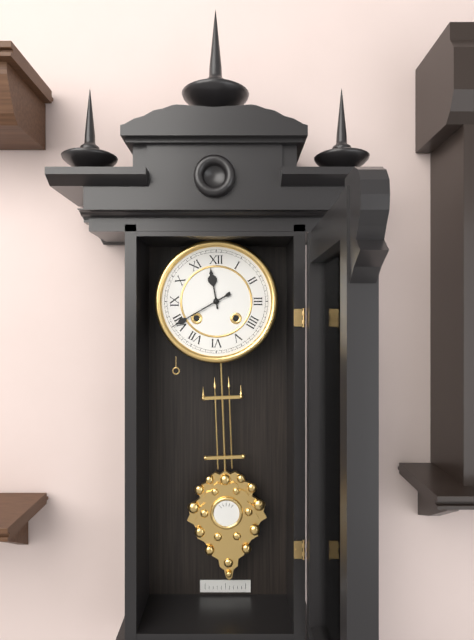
11:40
